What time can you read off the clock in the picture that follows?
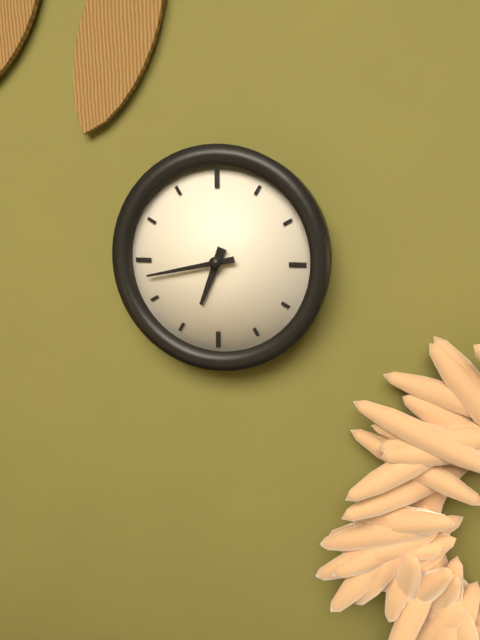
6:43
